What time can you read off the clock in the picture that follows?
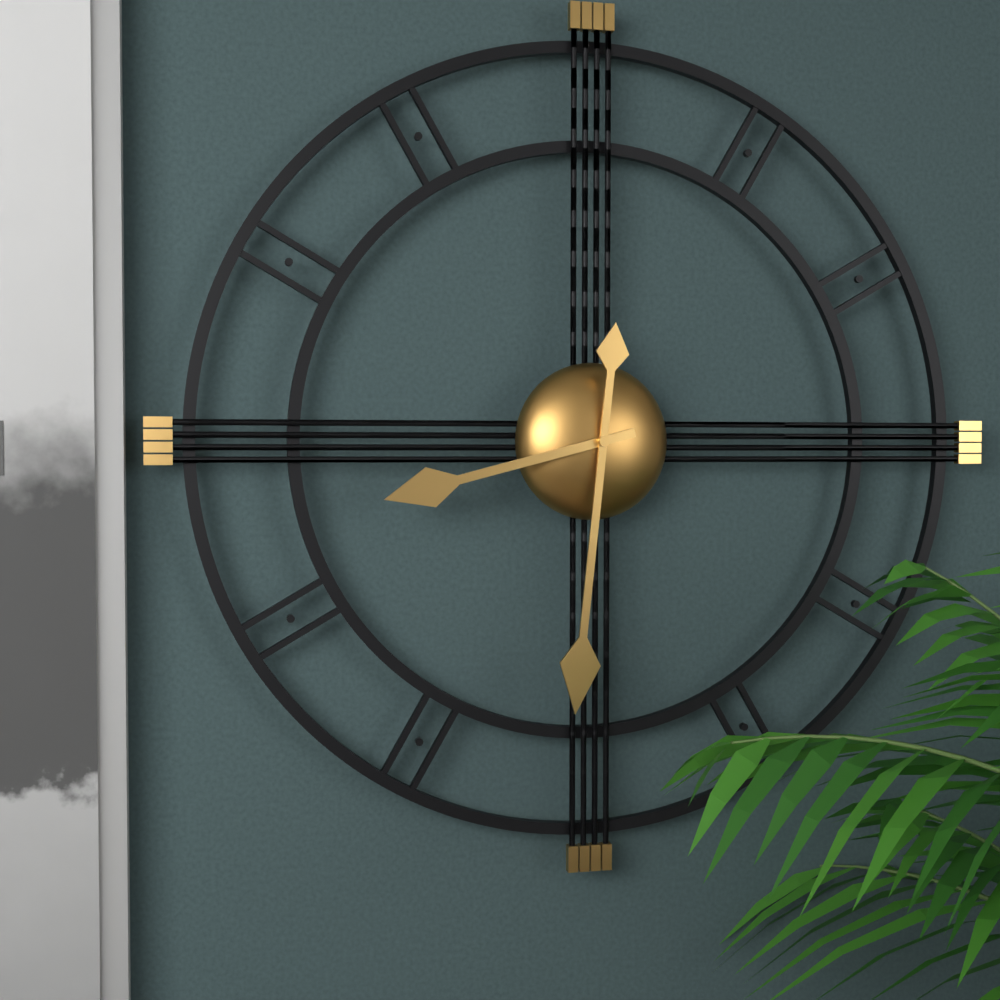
8:31
